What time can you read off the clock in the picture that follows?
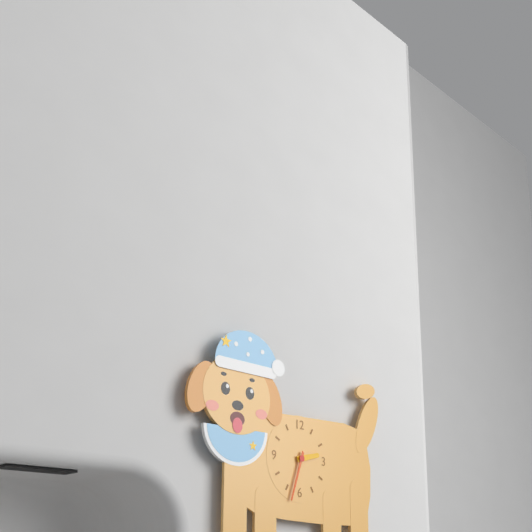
2:33
